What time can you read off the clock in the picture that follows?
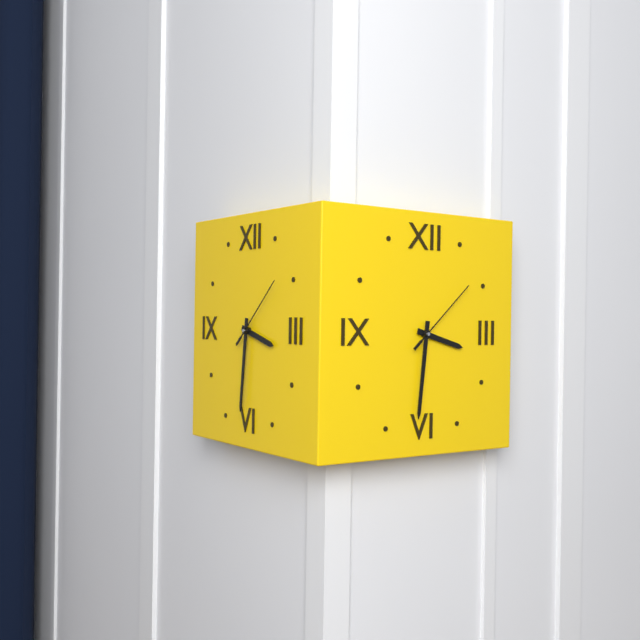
3:31:08
